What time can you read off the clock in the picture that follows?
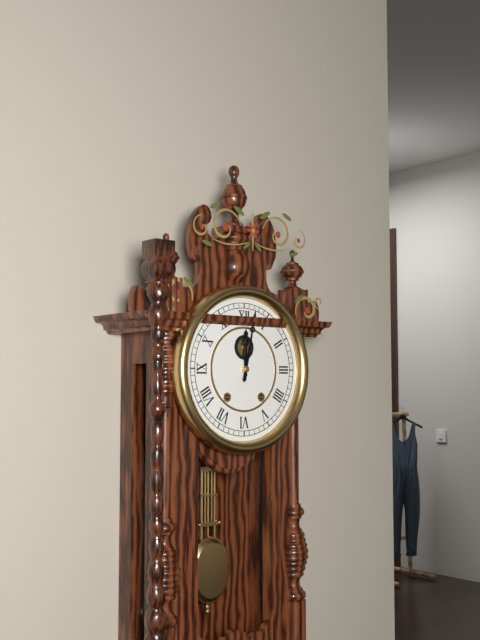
12:02
